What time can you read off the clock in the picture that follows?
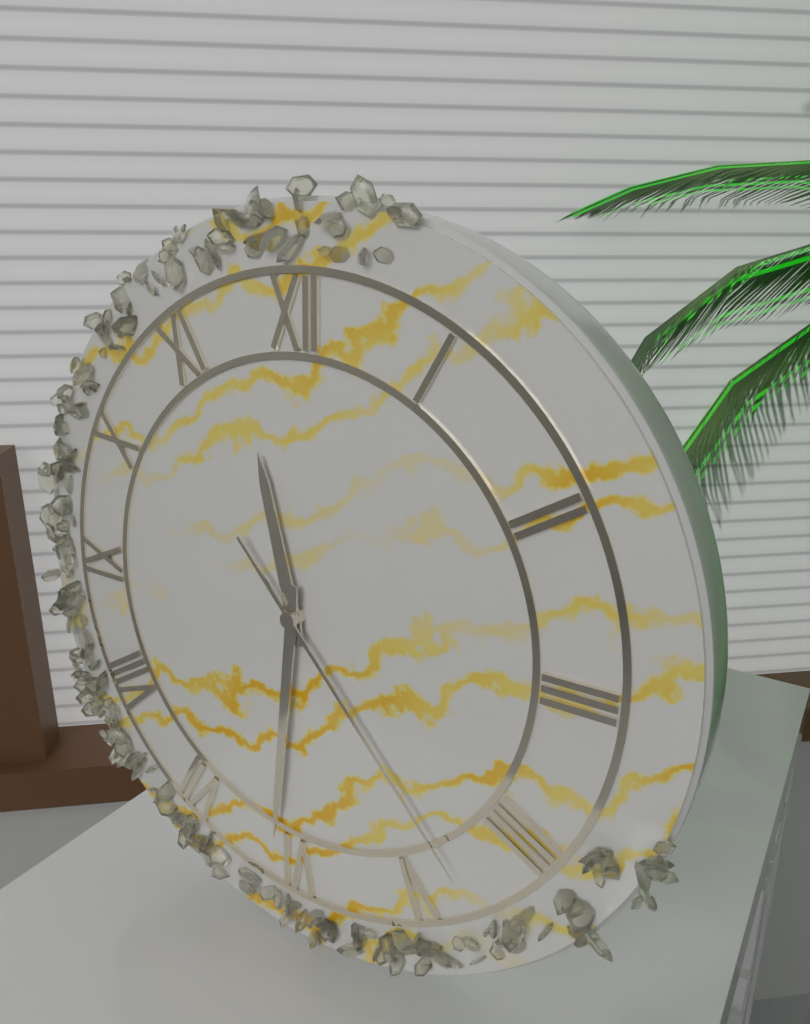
11:31:23
